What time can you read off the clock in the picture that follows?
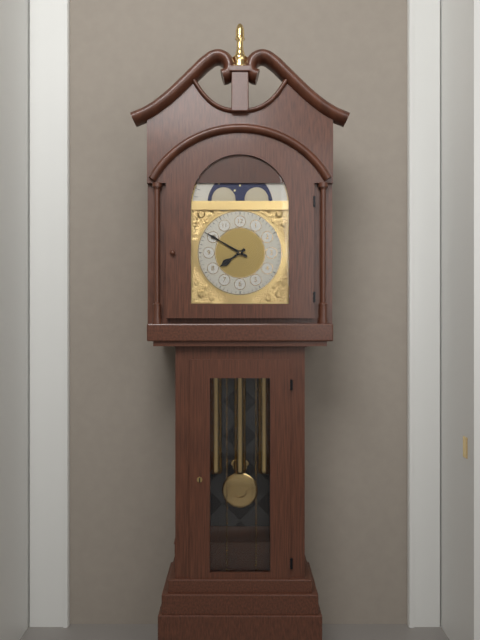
7:50
